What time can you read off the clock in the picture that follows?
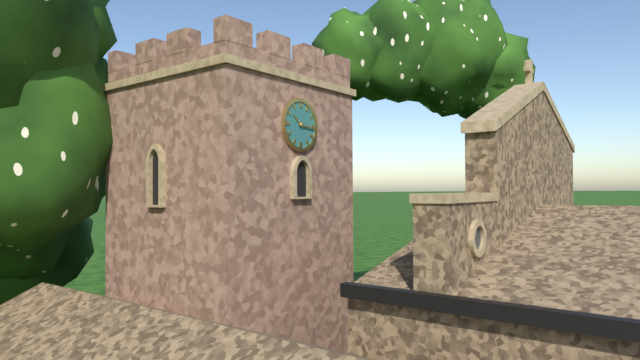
10:16
